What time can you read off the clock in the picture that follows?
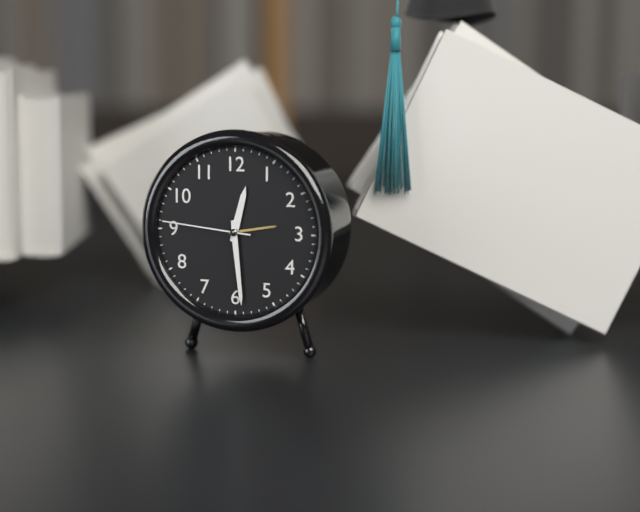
12:29:46
